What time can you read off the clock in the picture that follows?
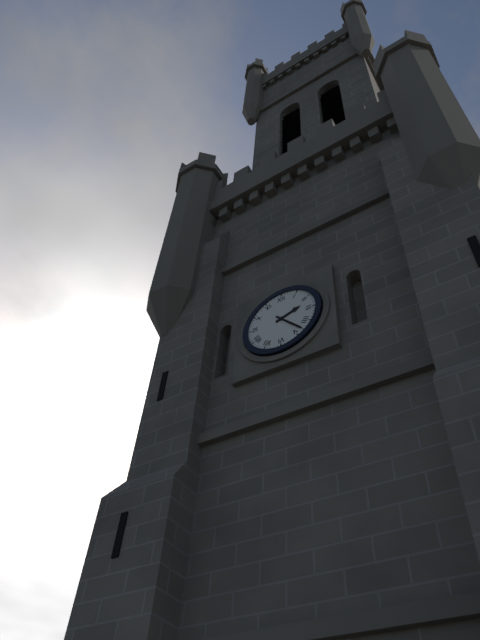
2:23
